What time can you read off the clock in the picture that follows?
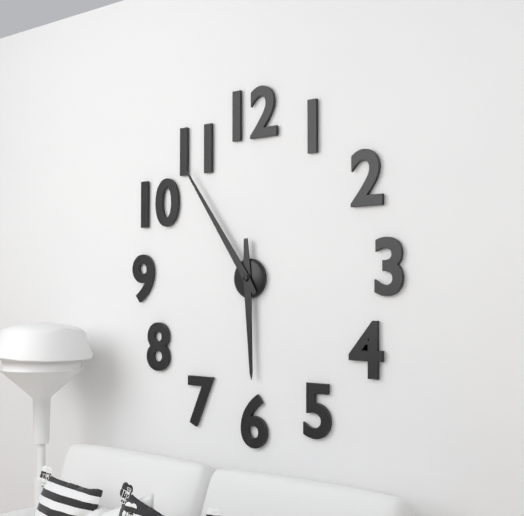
5:54
